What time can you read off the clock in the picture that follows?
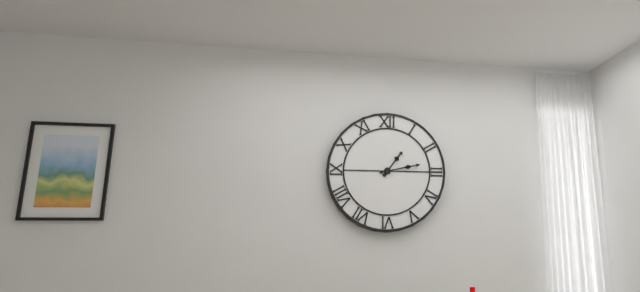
1:13
